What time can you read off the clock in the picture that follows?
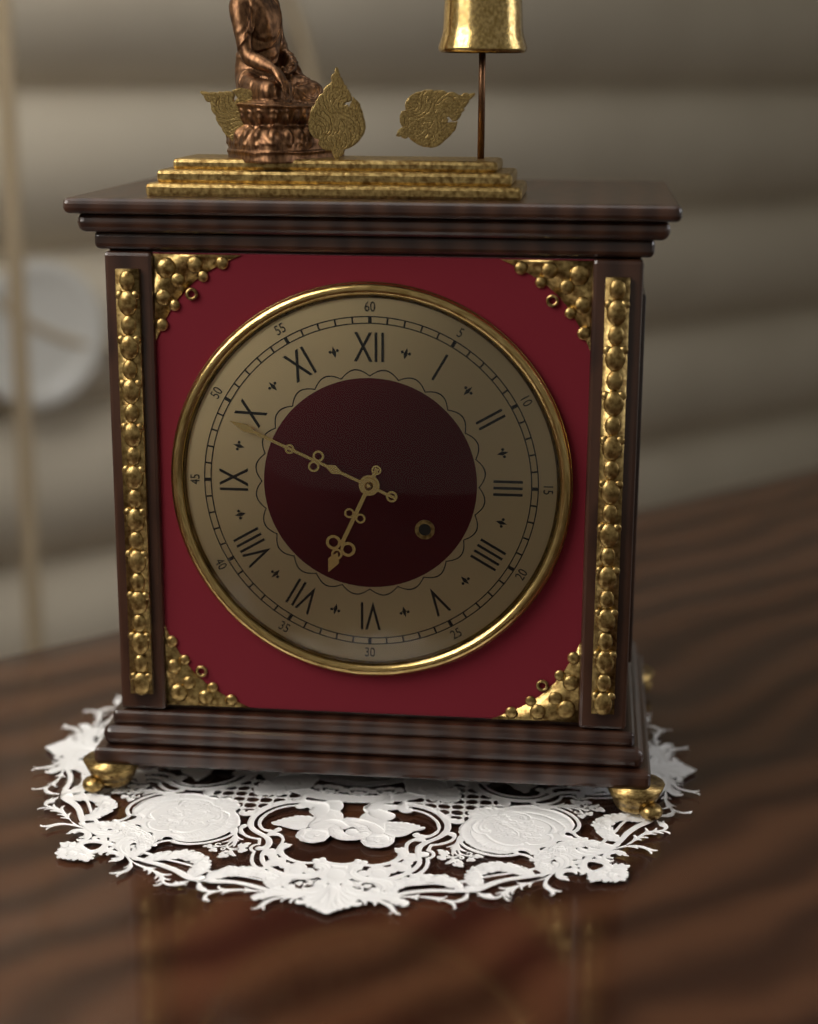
6:49
